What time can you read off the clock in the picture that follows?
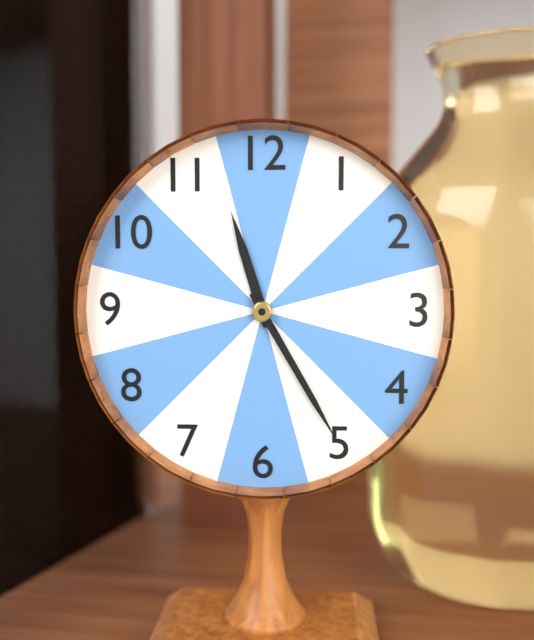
11:25
